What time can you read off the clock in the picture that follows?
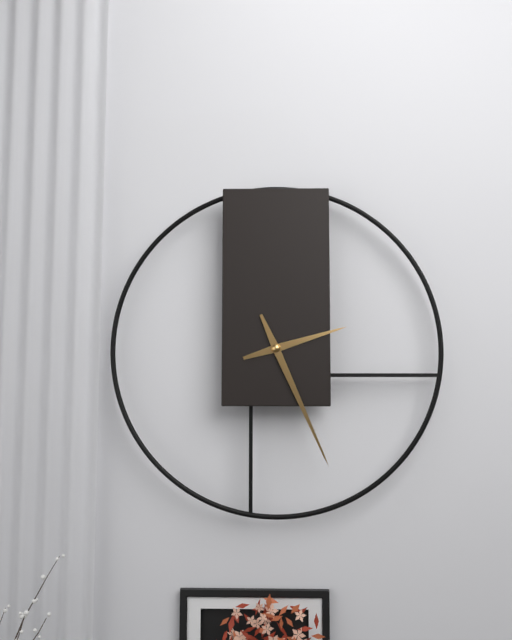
2:26
